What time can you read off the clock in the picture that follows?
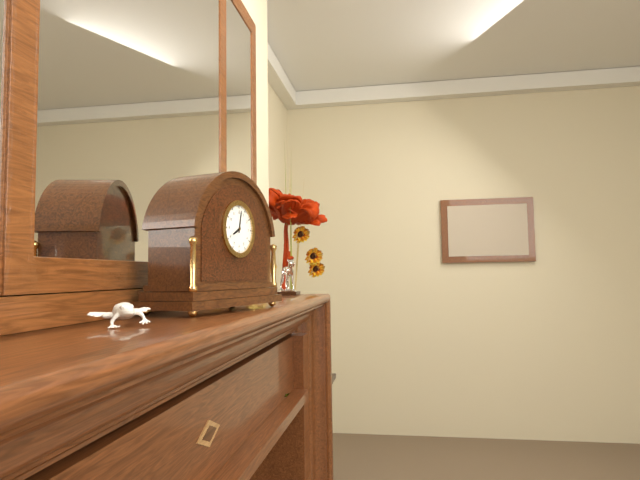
8:02
